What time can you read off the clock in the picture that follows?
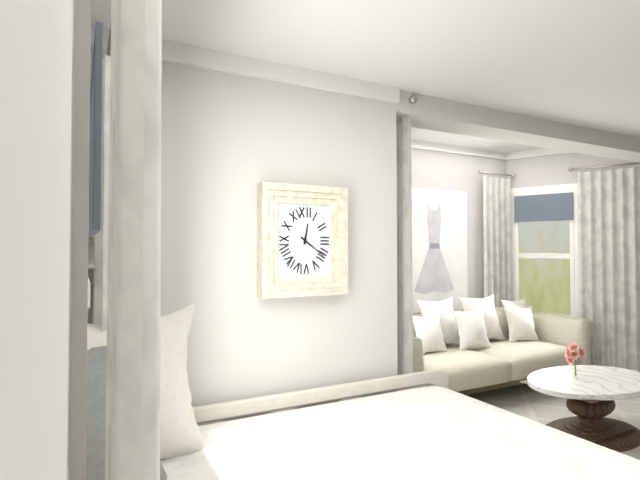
12:21
